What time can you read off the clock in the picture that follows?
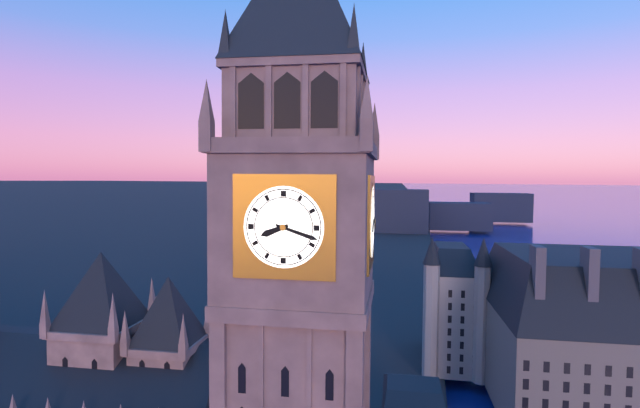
8:18
